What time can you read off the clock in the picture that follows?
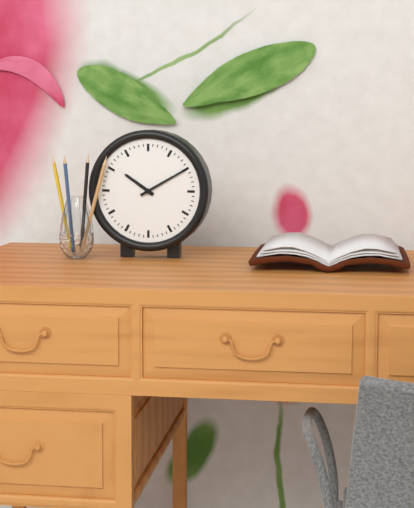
10:10
